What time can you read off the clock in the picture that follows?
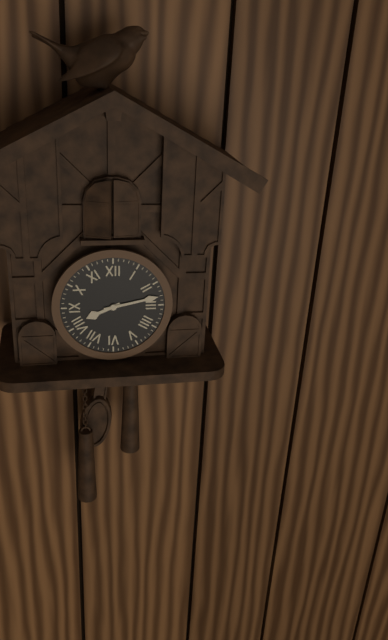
8:13
